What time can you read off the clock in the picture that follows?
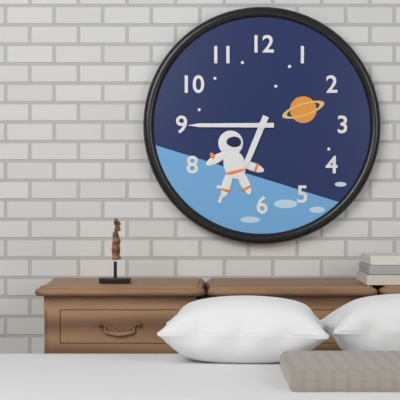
6:45
